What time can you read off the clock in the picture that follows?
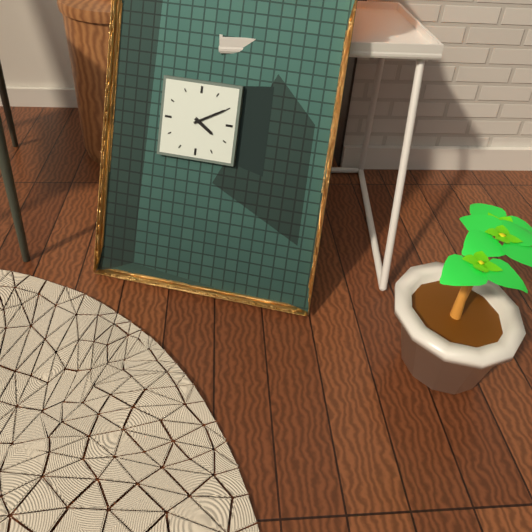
4:10
